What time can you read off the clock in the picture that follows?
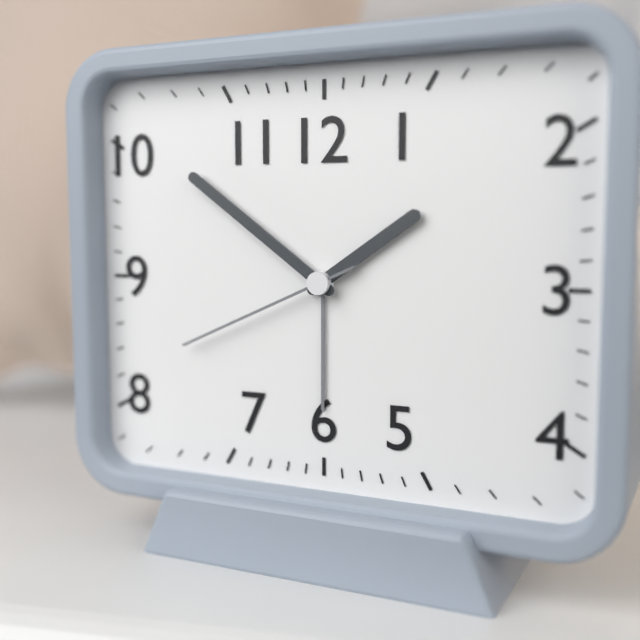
1:51:41
